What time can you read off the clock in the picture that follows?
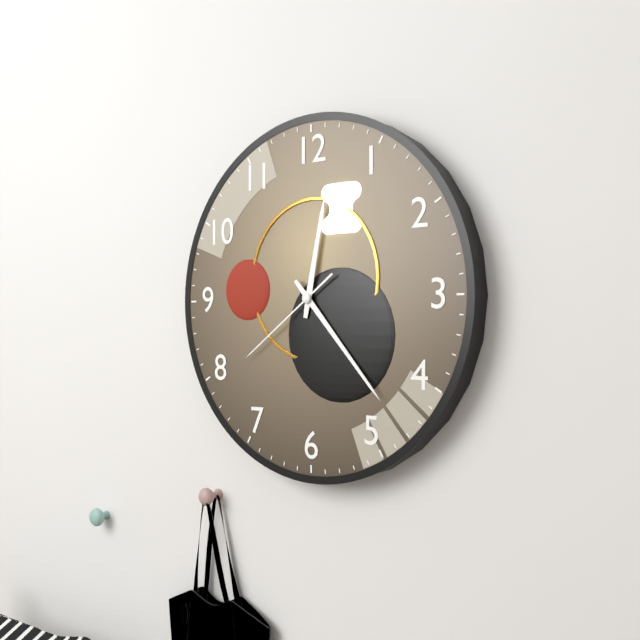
12:23:39
